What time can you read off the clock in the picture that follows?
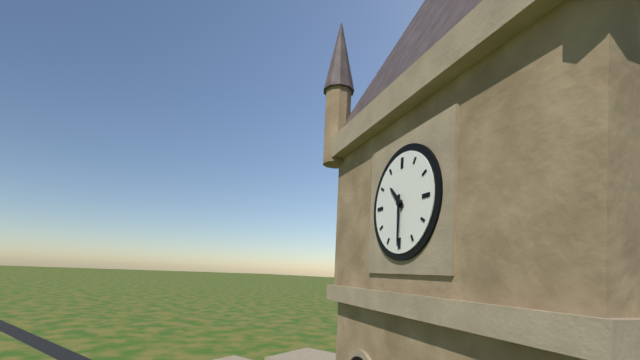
10:30
